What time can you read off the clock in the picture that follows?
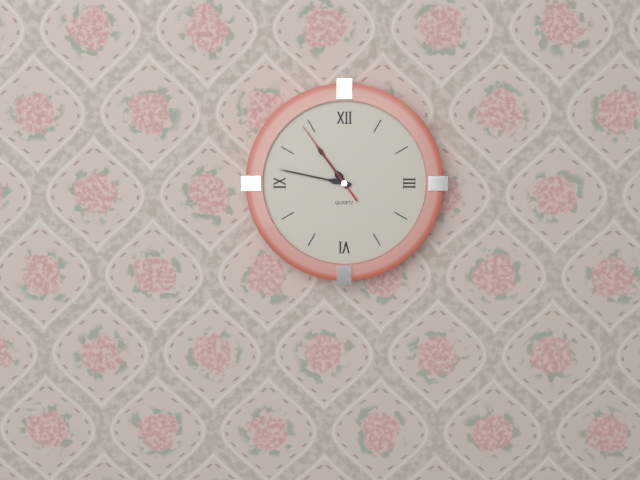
10:47:54
